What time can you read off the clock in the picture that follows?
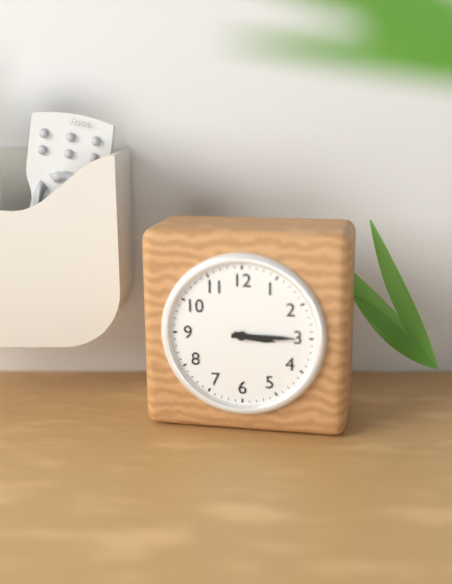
3:15
